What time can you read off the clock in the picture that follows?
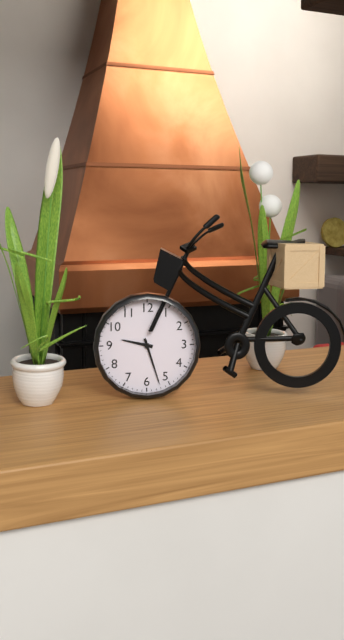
9:27
